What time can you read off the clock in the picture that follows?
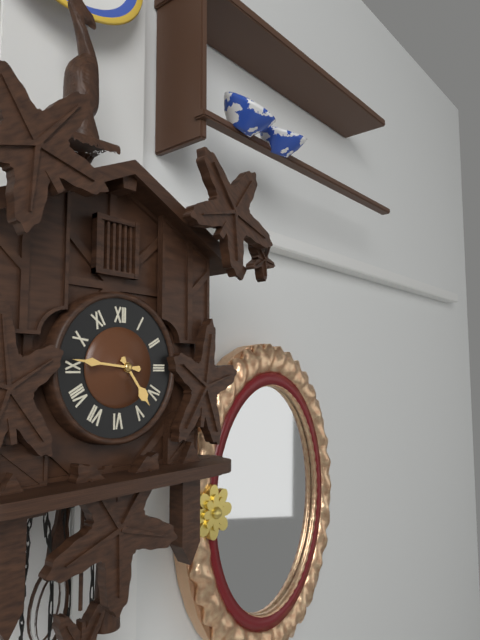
4:46
